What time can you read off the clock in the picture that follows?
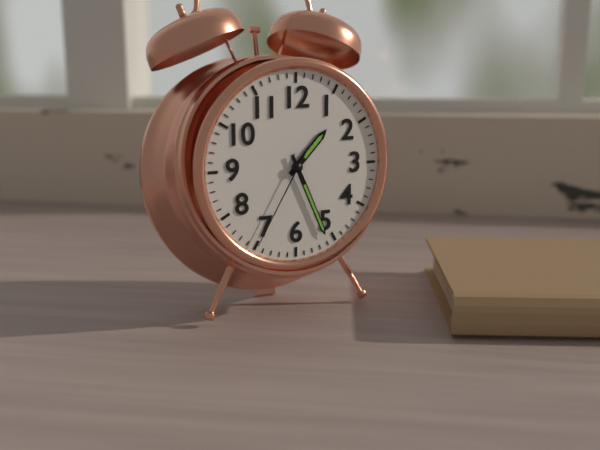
1:26:35
